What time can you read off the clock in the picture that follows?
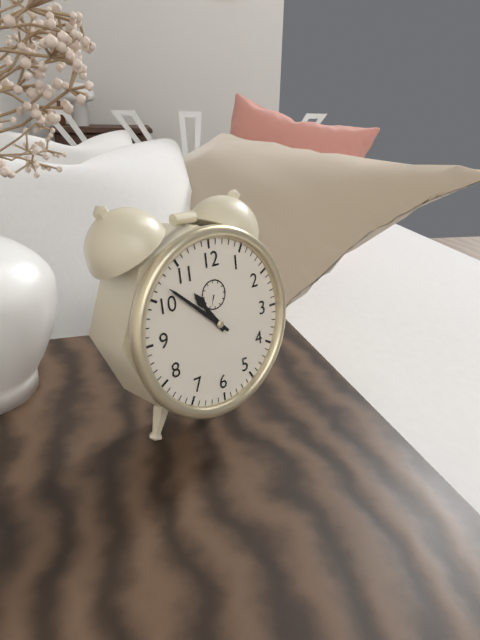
10:52
